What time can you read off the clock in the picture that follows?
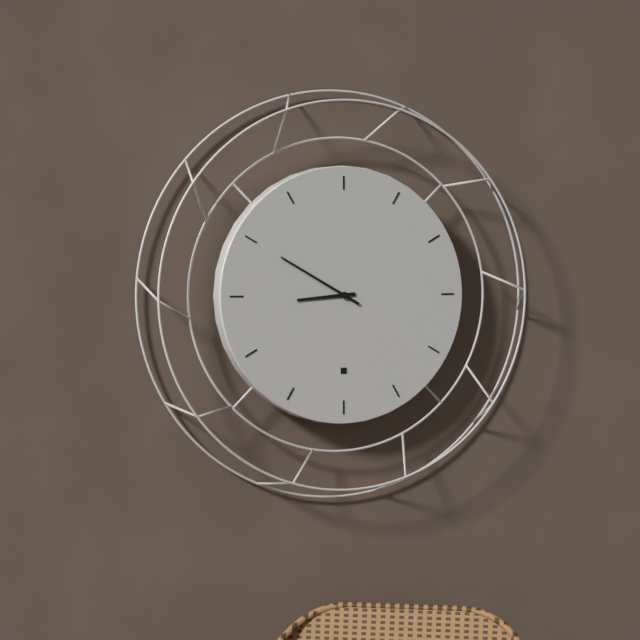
8:50
